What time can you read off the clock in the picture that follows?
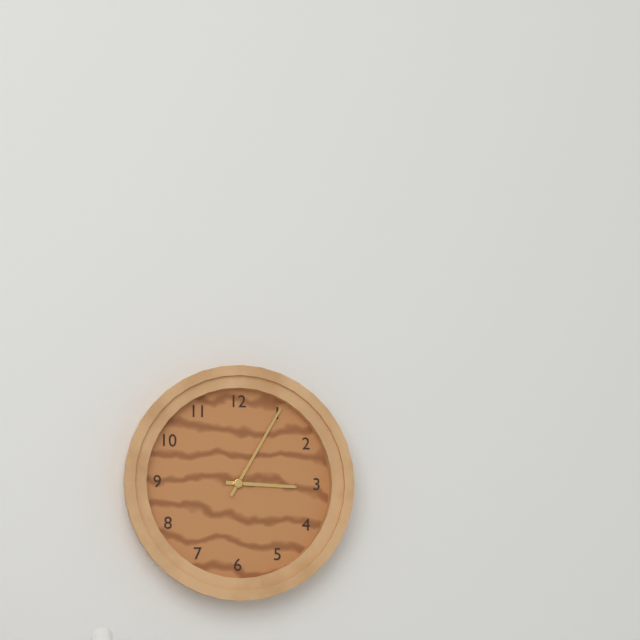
3:05
